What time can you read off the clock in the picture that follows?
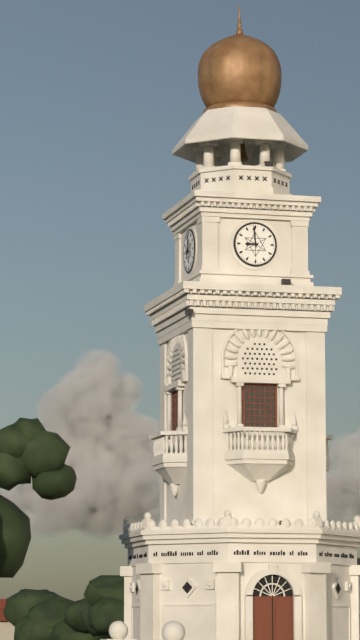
8:59
